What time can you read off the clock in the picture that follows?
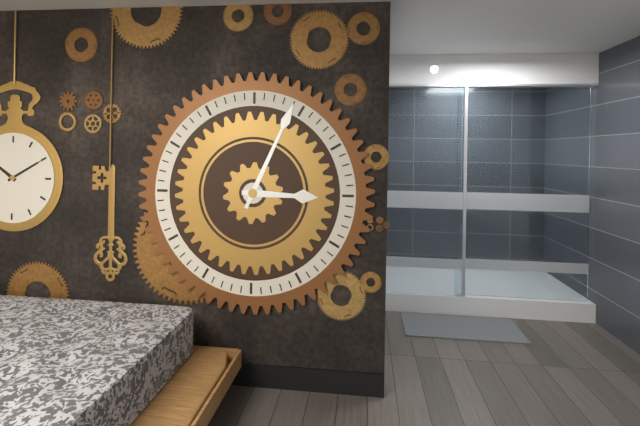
3:04
